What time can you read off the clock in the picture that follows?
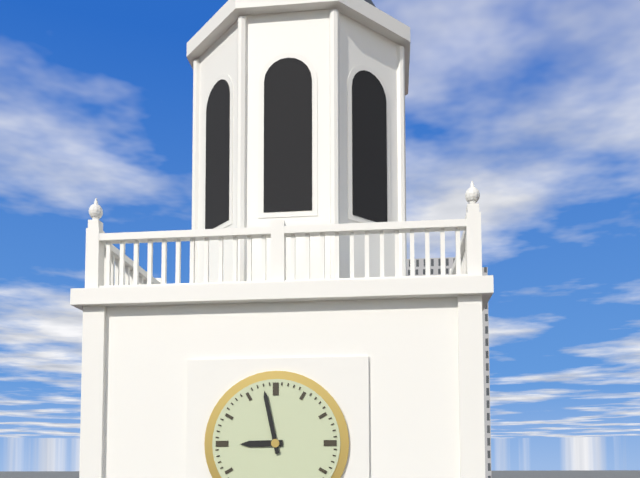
8:58
